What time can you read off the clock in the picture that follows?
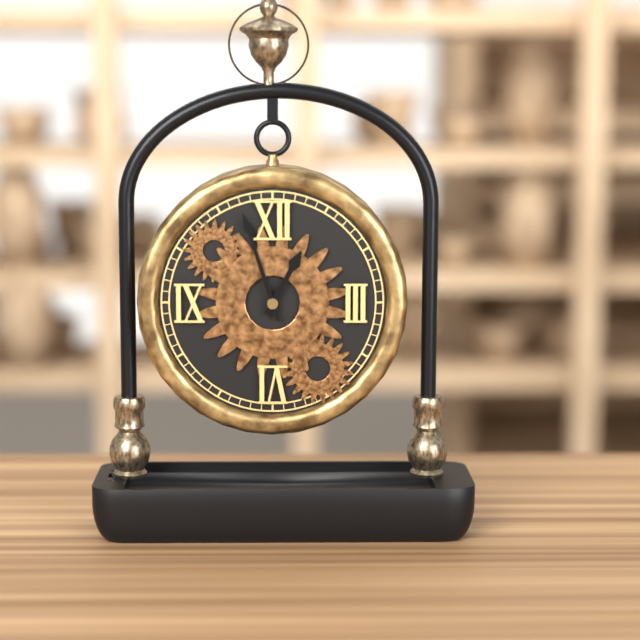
12:57
